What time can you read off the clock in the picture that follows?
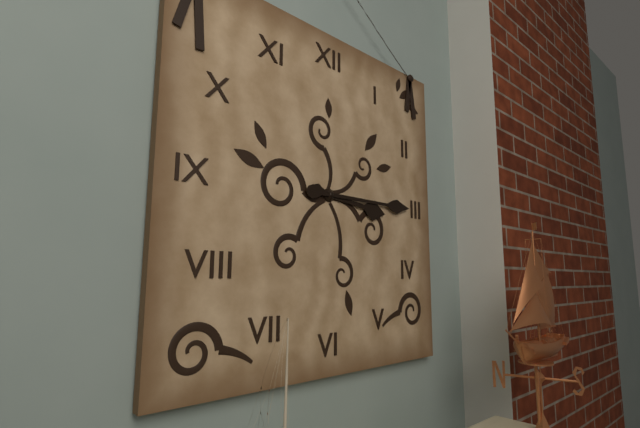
3:15
